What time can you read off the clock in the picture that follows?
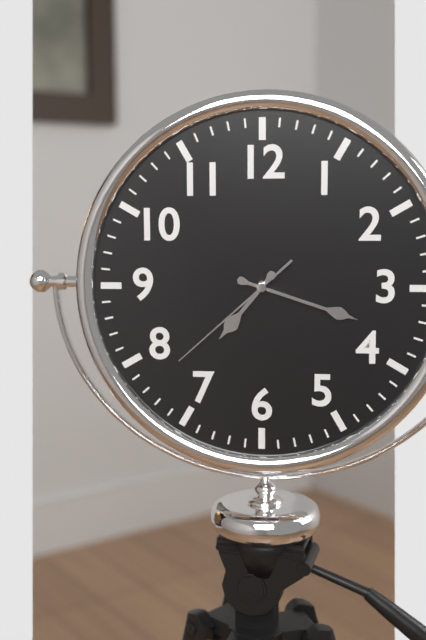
7:18:38
